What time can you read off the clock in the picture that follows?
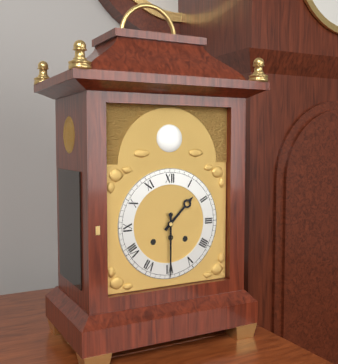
1:30
